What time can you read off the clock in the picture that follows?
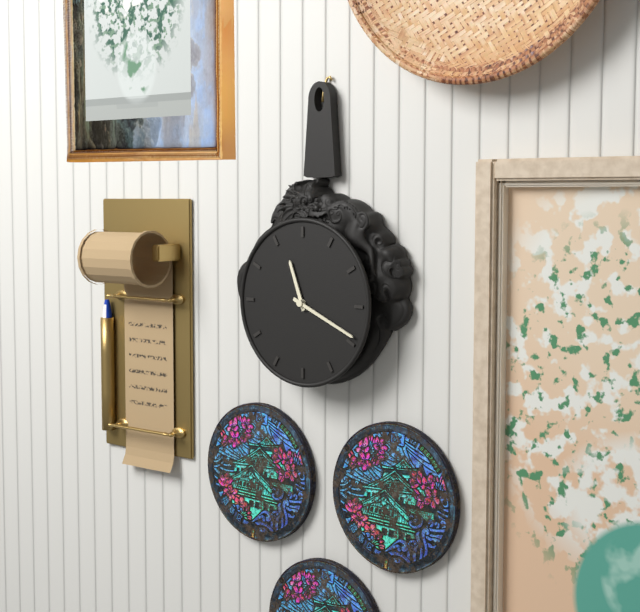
11:19
